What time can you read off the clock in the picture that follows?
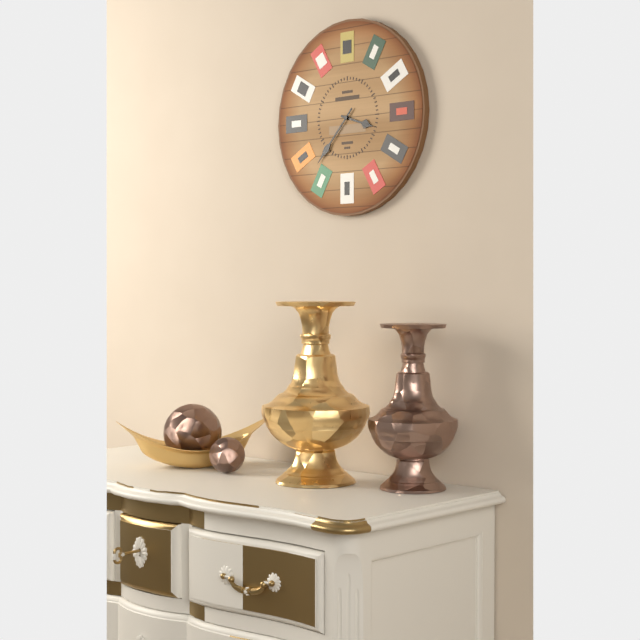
3:37
